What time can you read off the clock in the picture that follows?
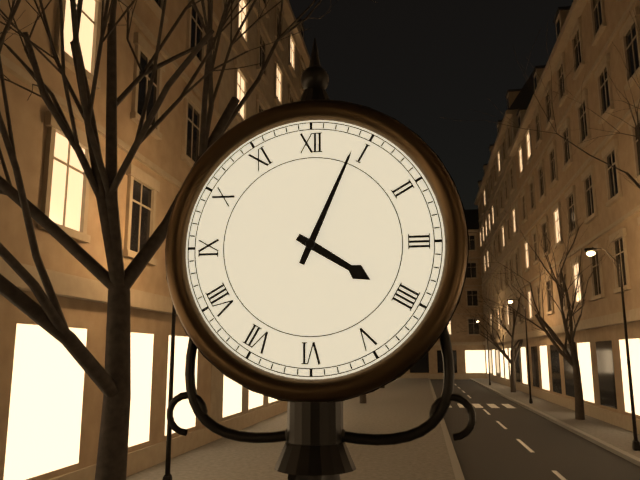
4:04
